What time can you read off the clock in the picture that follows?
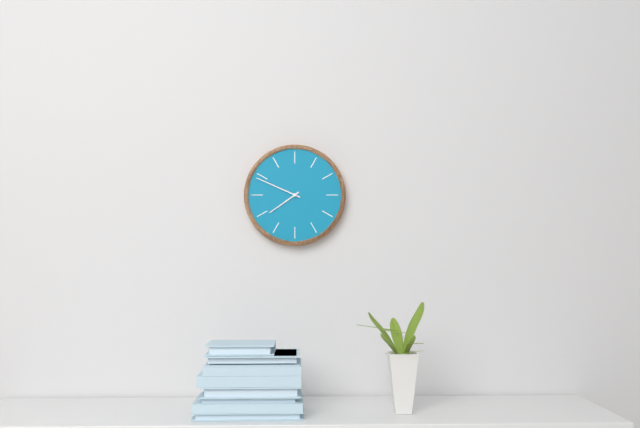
7:49
